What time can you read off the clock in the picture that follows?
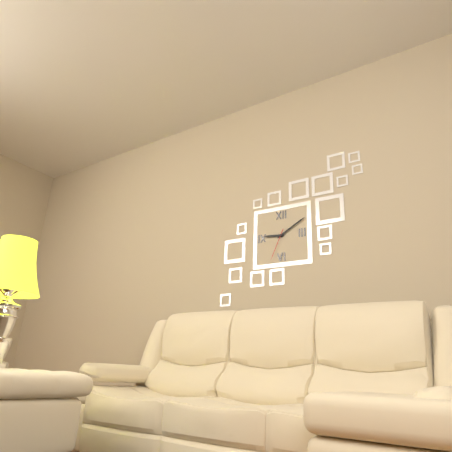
9:10
